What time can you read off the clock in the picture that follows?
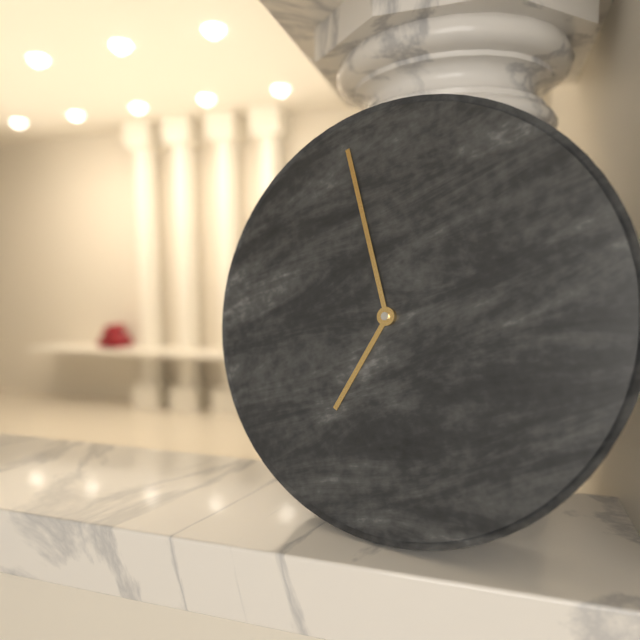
6:57
